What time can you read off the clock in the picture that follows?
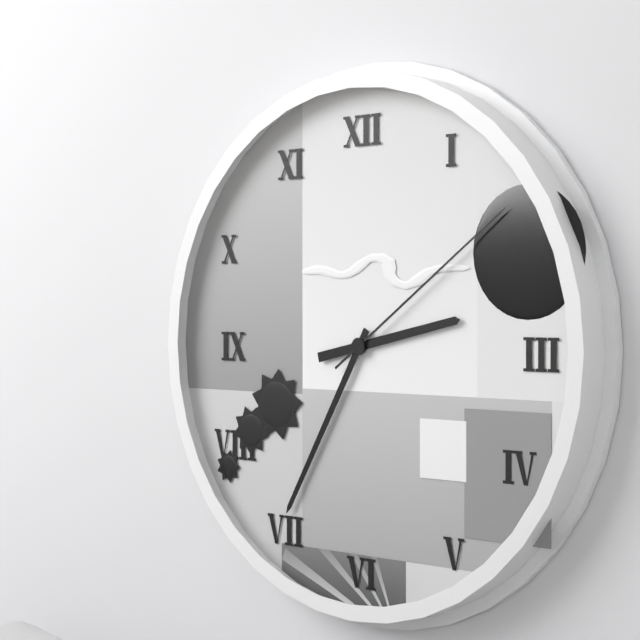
2:35:09
